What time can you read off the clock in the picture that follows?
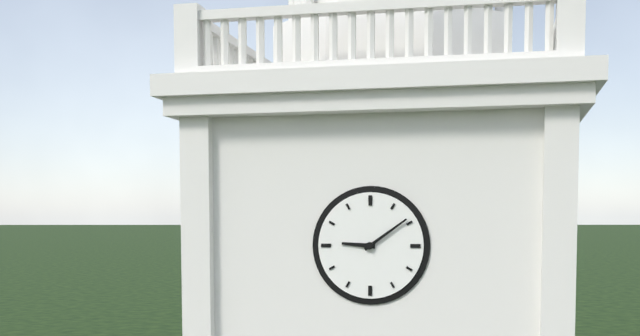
9:09
